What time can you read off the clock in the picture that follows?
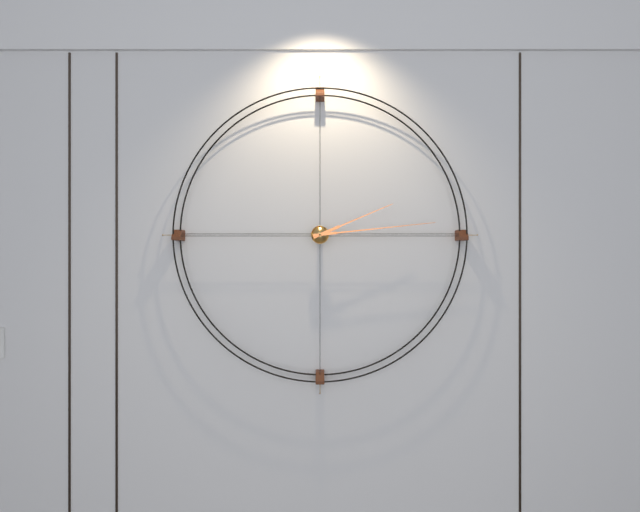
2:14
